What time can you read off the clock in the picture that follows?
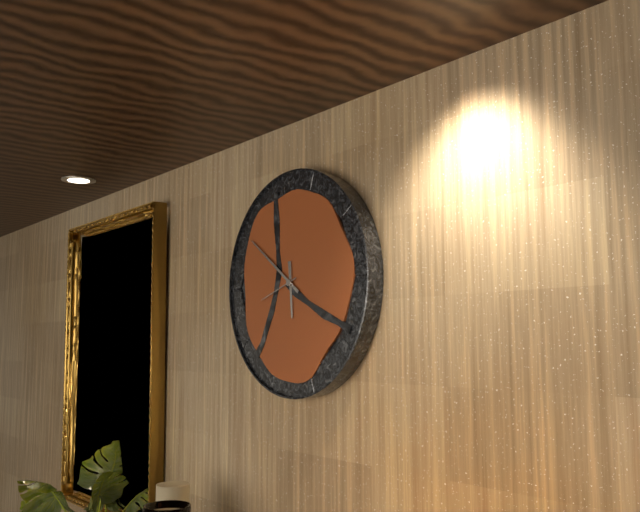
5:51
